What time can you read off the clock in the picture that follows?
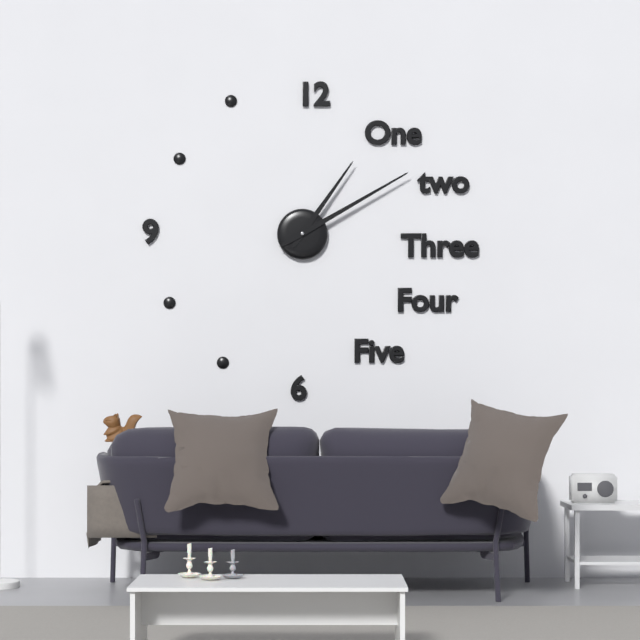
1:10
